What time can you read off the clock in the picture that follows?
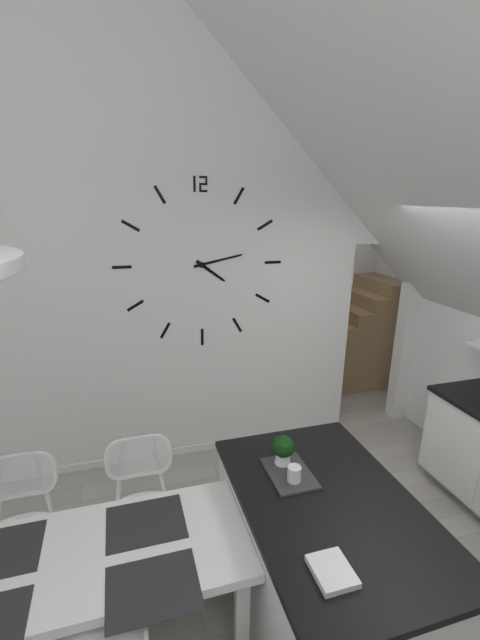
4:13
